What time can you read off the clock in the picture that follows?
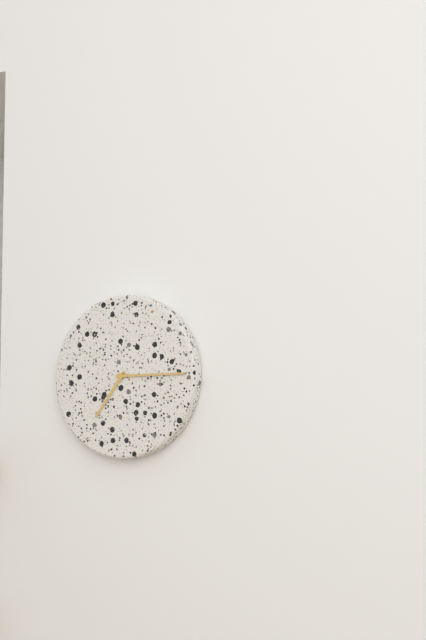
7:15
